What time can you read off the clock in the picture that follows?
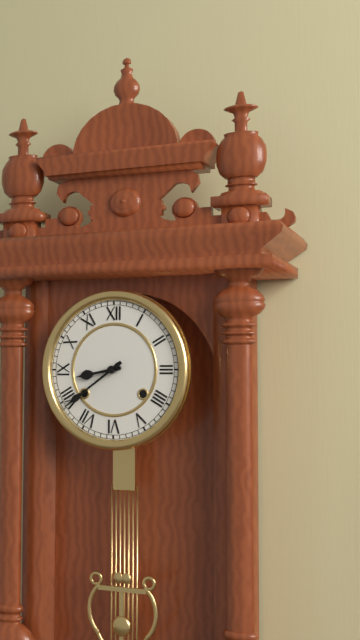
8:39
